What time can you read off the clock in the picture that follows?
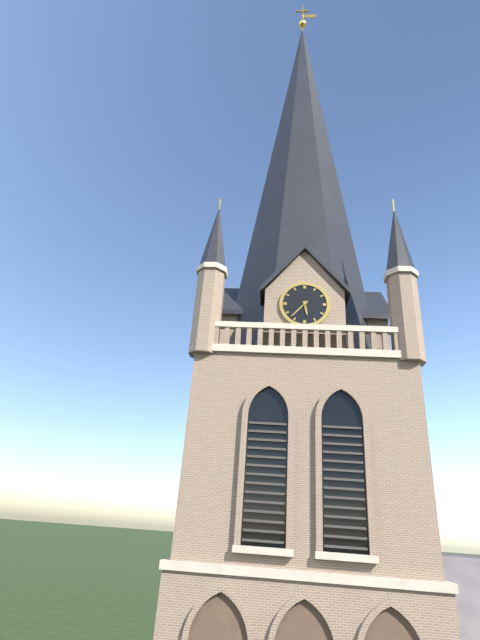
5:37
